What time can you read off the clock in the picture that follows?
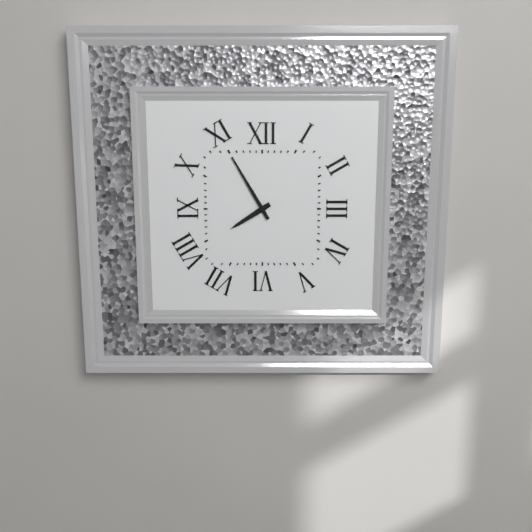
7:55
